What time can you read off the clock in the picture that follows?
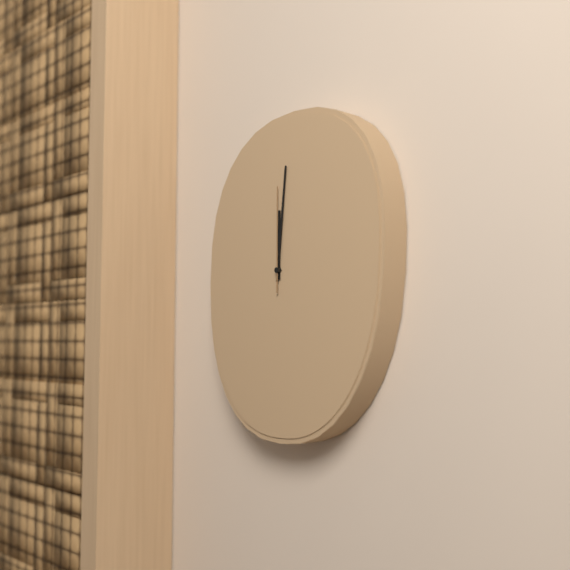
12:01:00
